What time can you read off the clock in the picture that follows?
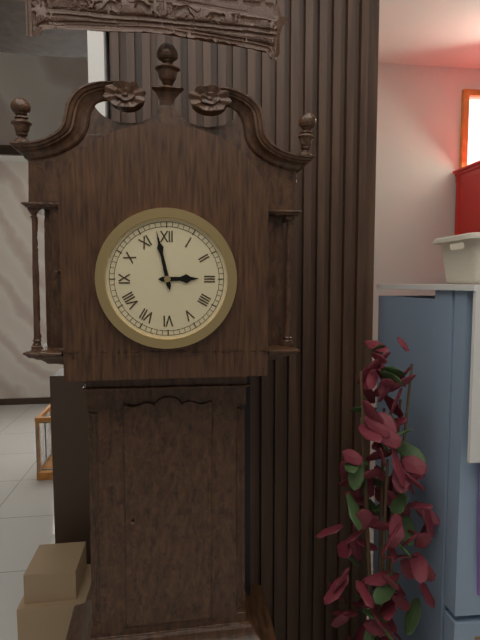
2:58
